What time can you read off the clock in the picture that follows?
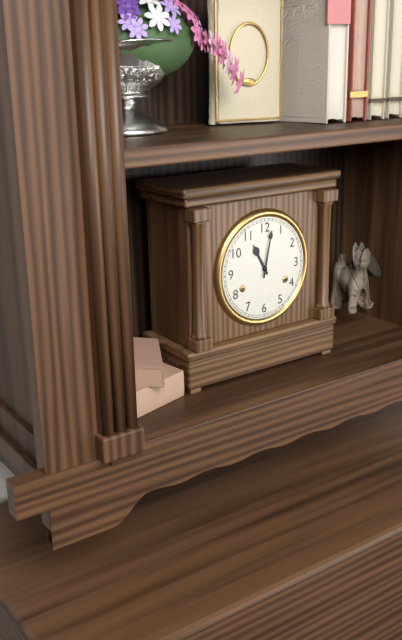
11:02
